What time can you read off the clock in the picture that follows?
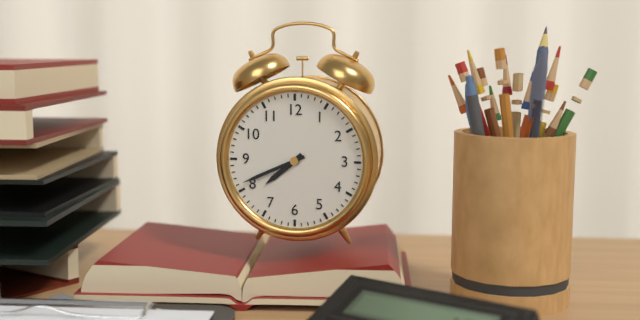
7:41
